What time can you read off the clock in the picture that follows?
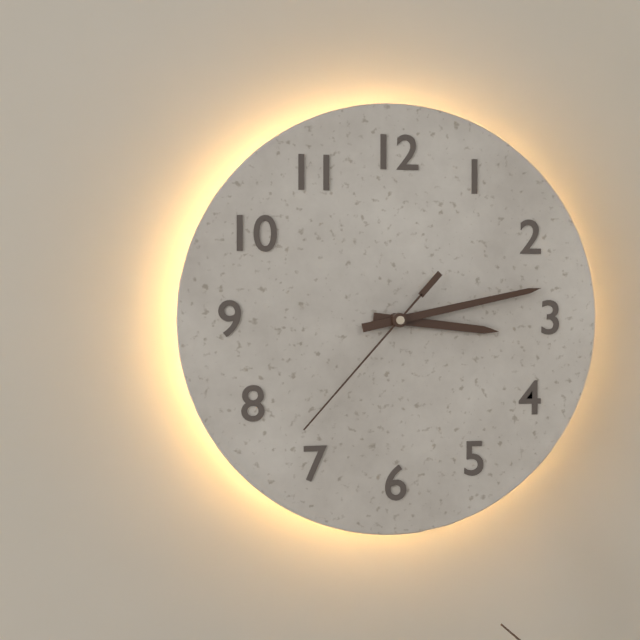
3:13:37
